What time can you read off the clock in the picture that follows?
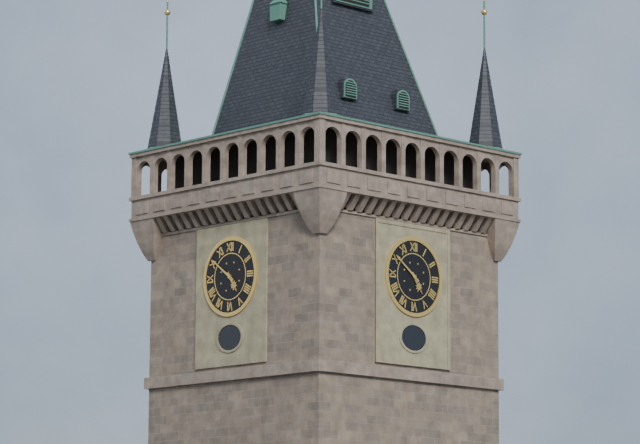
4:51
